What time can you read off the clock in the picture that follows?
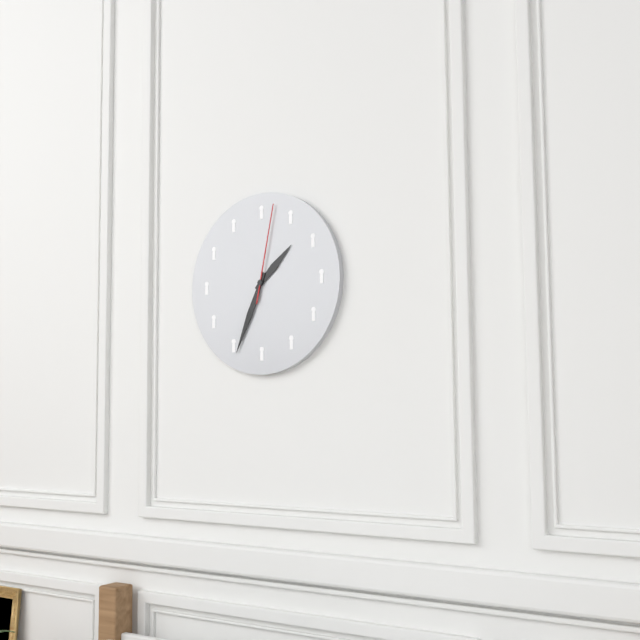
1:34:02
